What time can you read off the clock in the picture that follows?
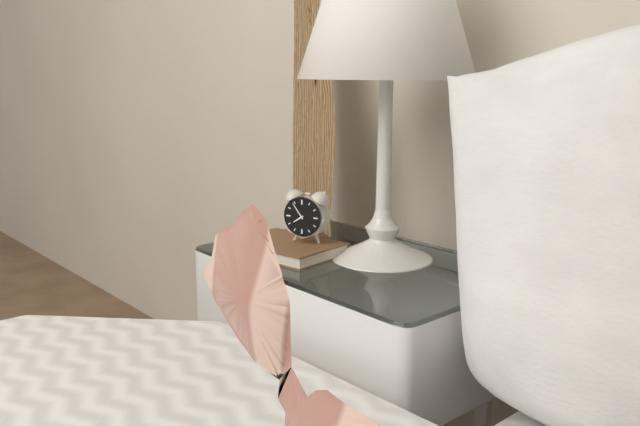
7:54
